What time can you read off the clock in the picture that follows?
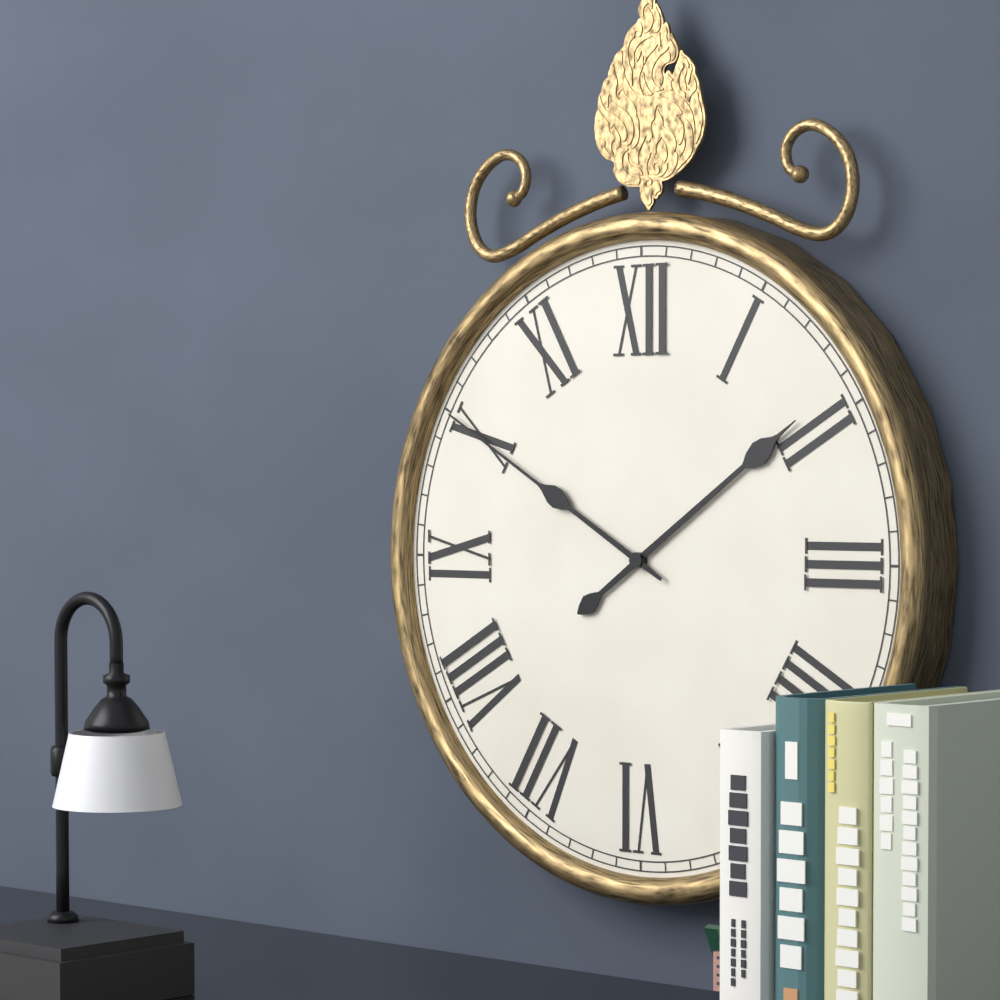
1:50
